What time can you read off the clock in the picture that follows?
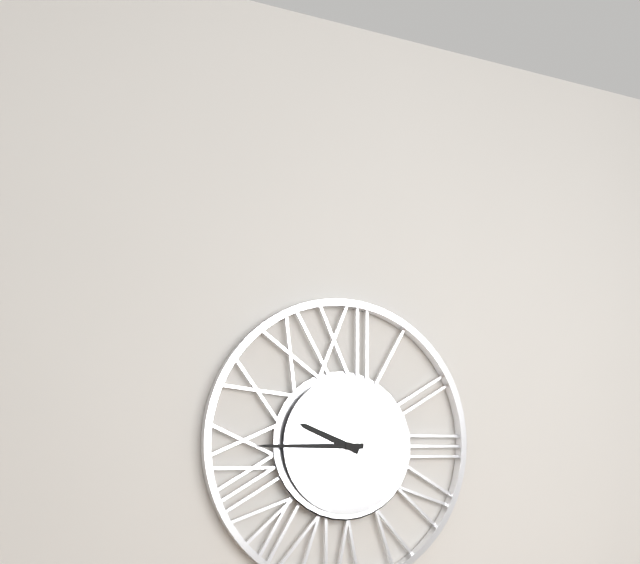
9:45
